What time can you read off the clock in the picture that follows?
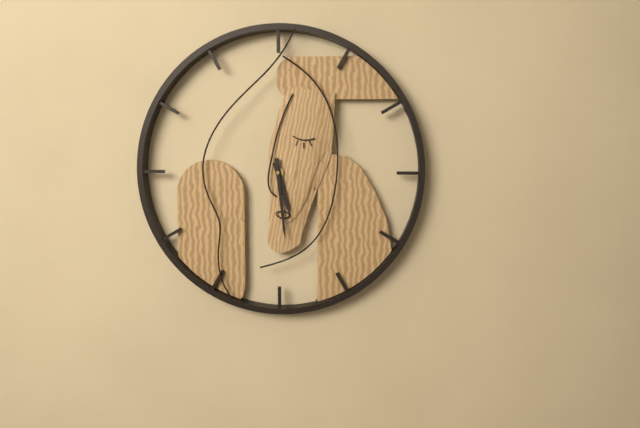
5:29
